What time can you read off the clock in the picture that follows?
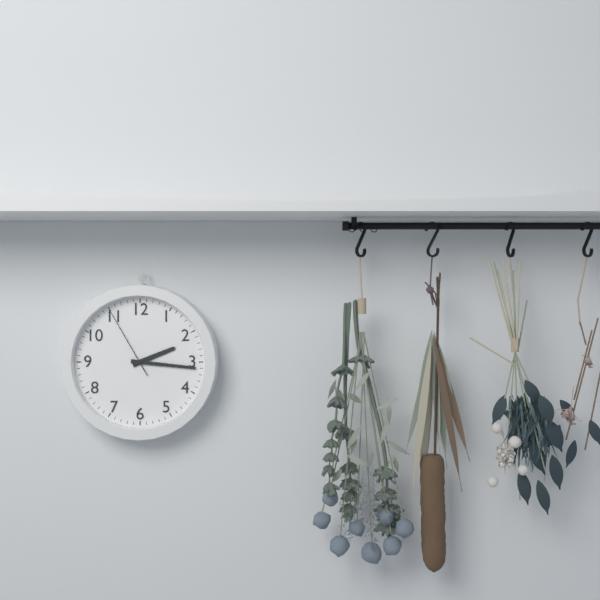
2:16:55
